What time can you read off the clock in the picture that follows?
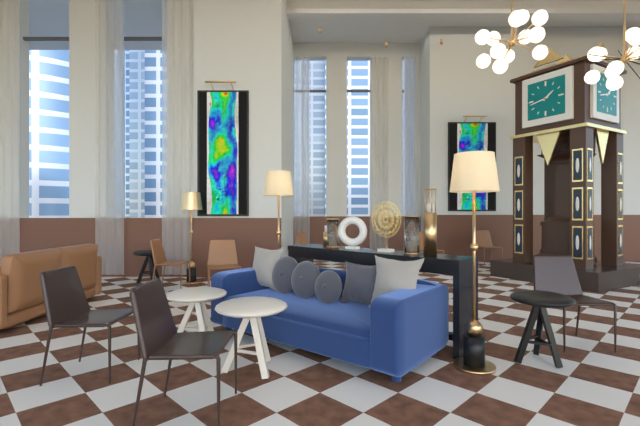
1:43
